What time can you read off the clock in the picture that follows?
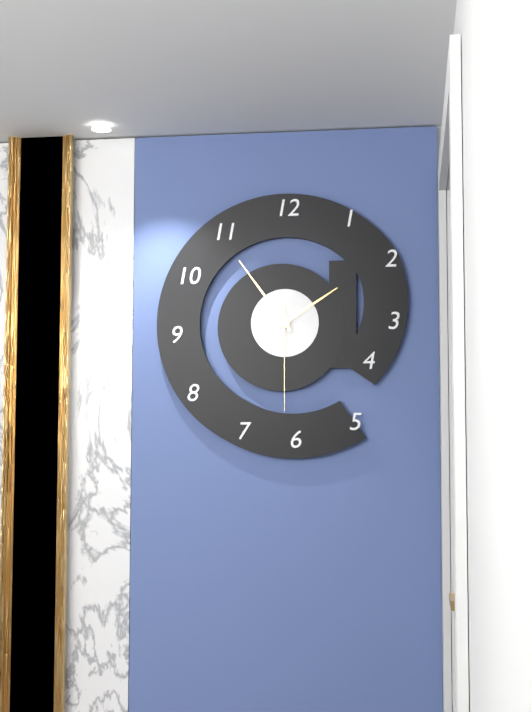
1:54:30
